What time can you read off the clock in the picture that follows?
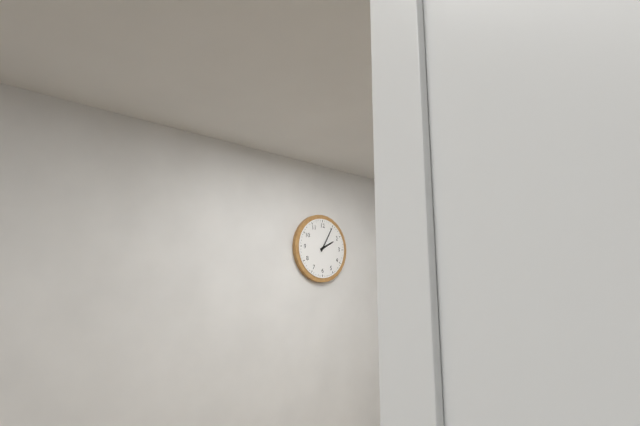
2:05
